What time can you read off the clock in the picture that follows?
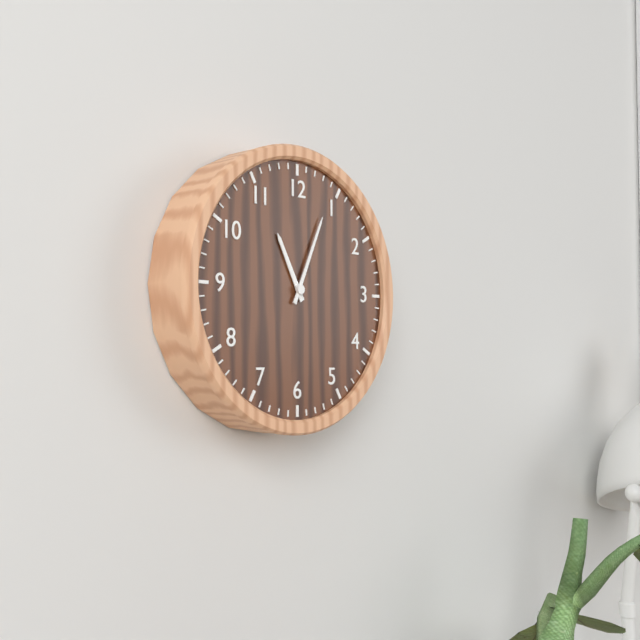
11:04
